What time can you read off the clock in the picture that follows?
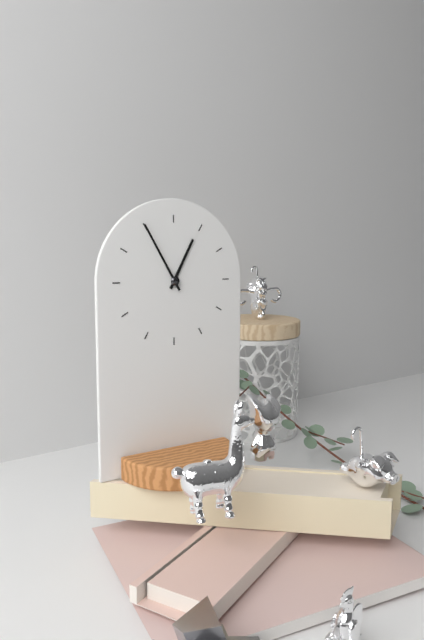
12:55
